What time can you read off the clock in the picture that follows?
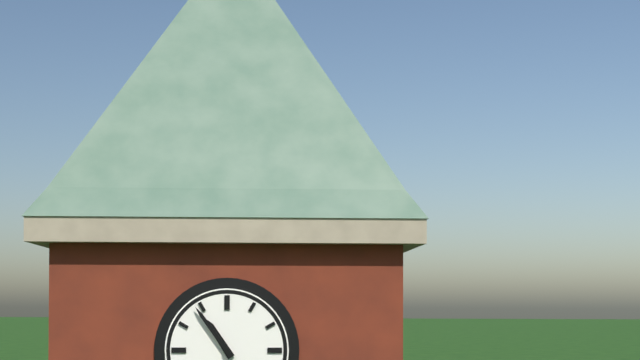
10:54
